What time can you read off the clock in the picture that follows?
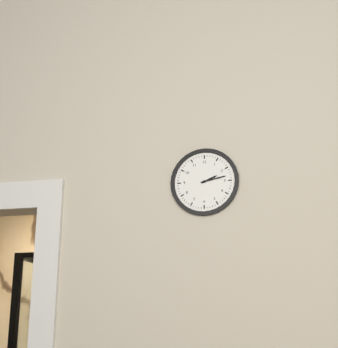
2:13
